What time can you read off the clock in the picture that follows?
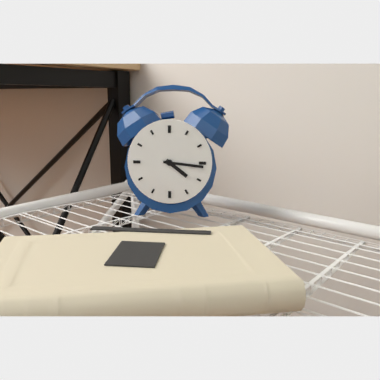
4:16
